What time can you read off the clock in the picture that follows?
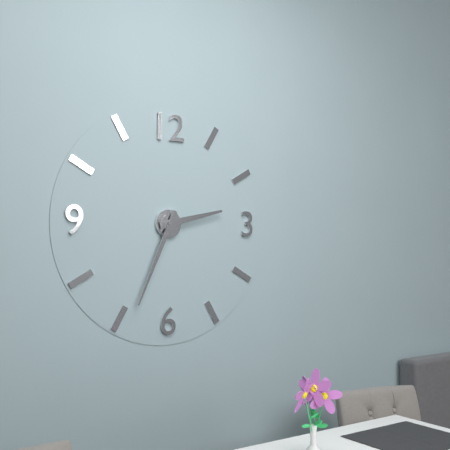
2:34
